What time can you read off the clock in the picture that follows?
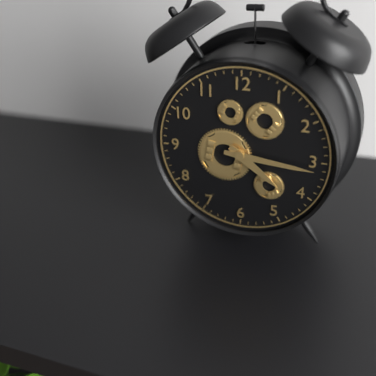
4:16
